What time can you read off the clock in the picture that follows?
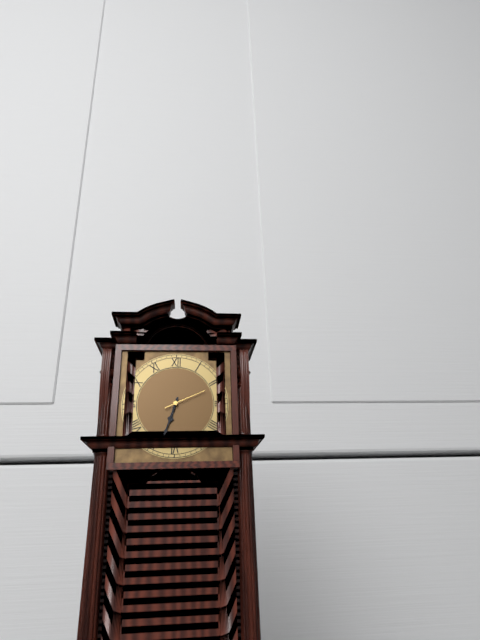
6:33
